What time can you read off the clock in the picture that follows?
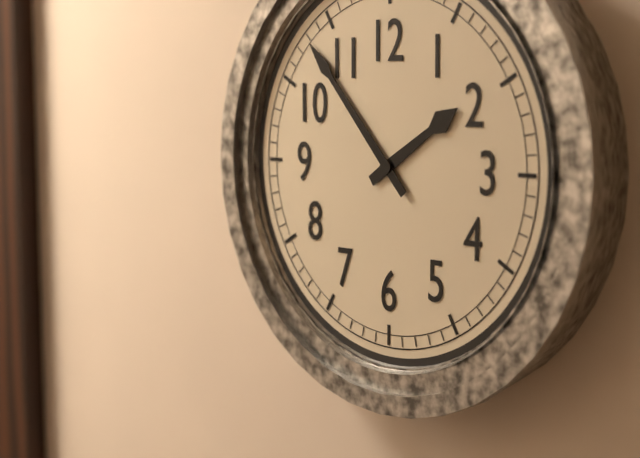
1:53
